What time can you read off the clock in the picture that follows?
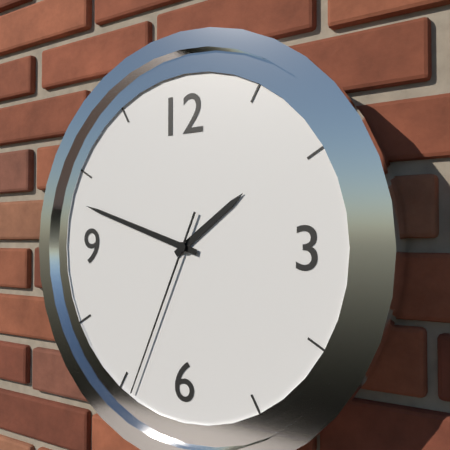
1:48:34
